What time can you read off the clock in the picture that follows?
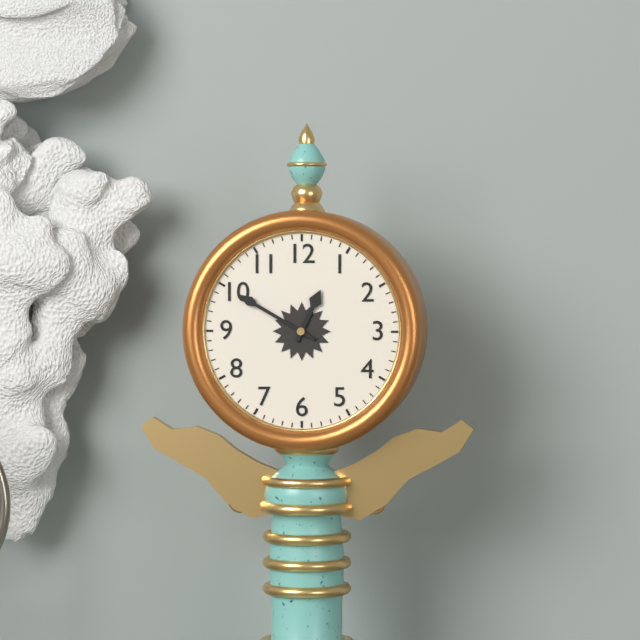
12:50
